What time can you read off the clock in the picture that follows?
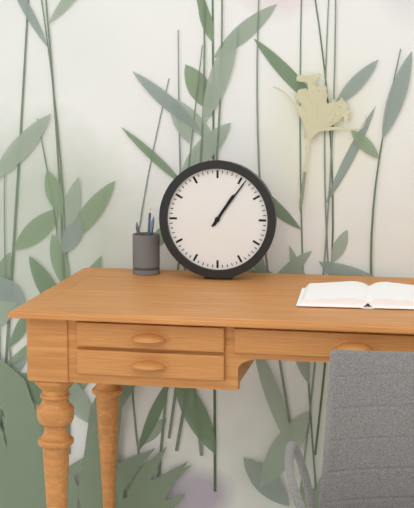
1:06
